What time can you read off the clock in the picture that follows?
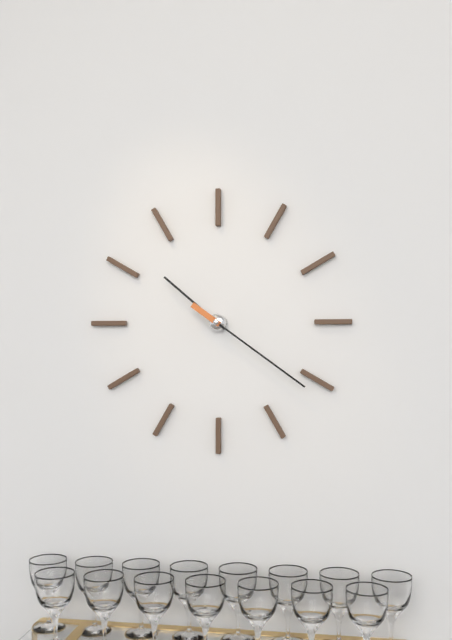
10:21
